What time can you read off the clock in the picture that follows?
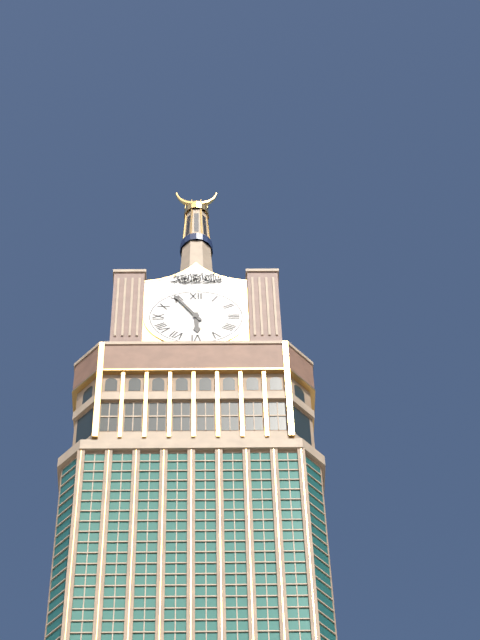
5:55
